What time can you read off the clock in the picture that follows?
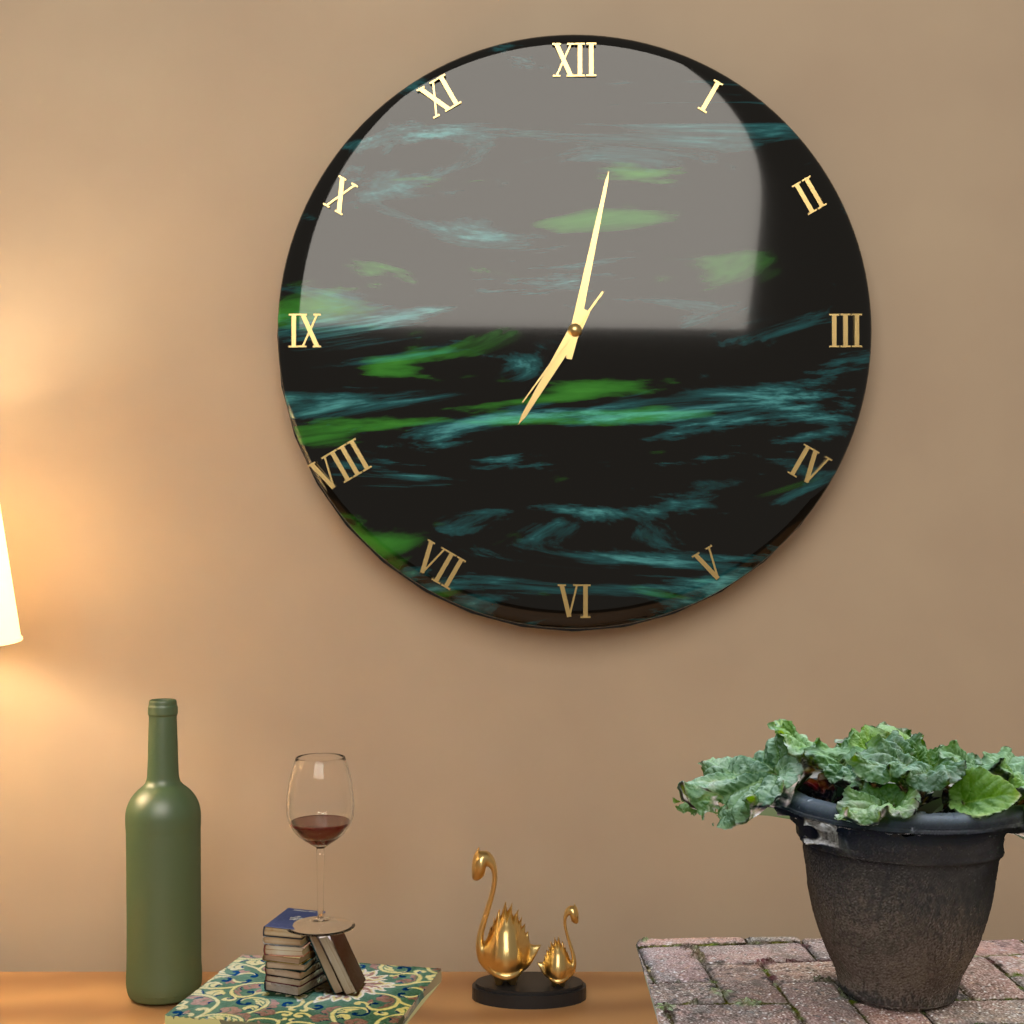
7:02:36
